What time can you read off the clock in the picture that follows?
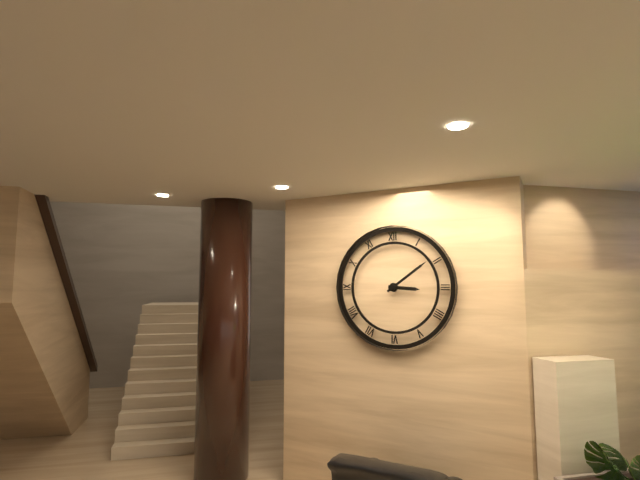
3:09
